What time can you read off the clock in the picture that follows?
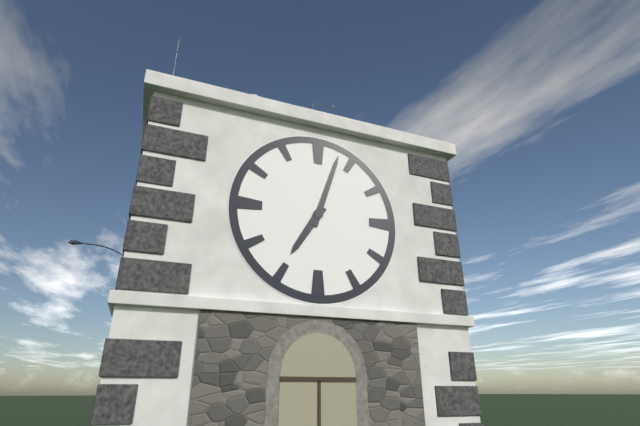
7:03
